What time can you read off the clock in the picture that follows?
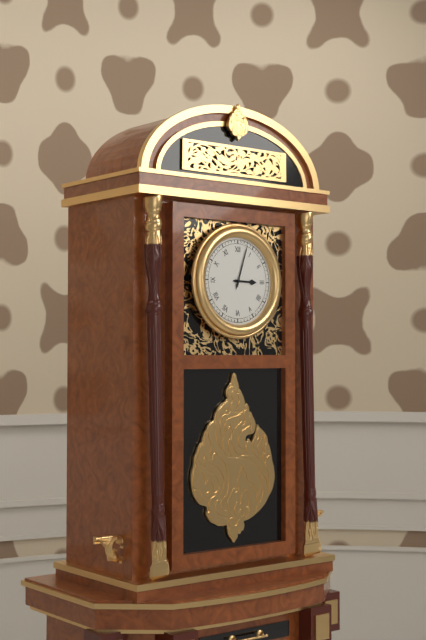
3:03
